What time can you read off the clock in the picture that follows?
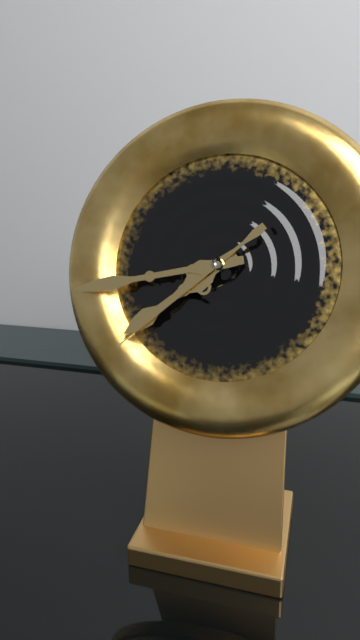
7:43:38
